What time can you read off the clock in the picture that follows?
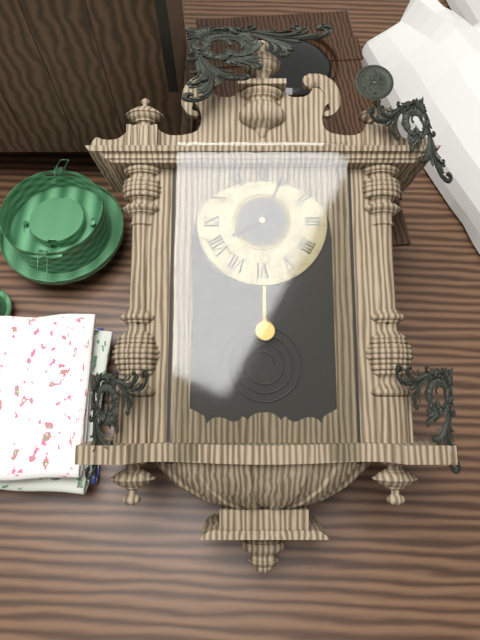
8:04
